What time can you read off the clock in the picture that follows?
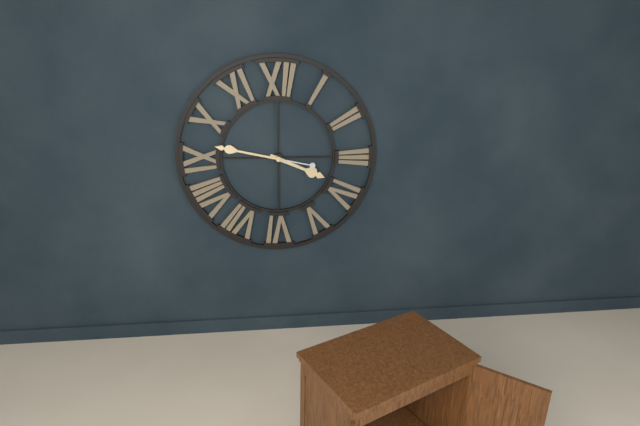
3:47
